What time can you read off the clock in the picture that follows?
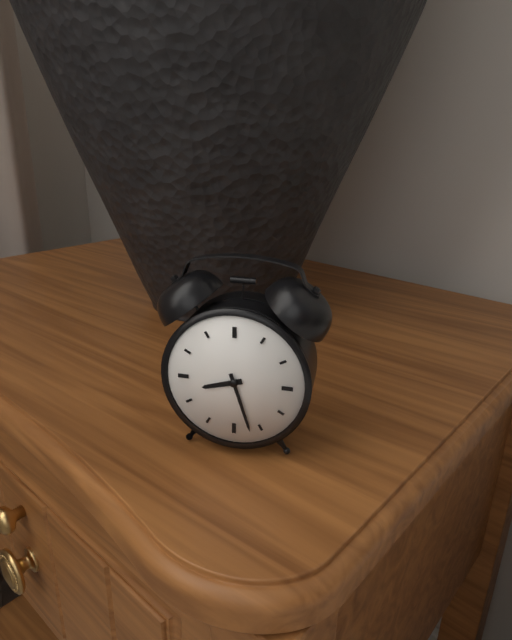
8:27
